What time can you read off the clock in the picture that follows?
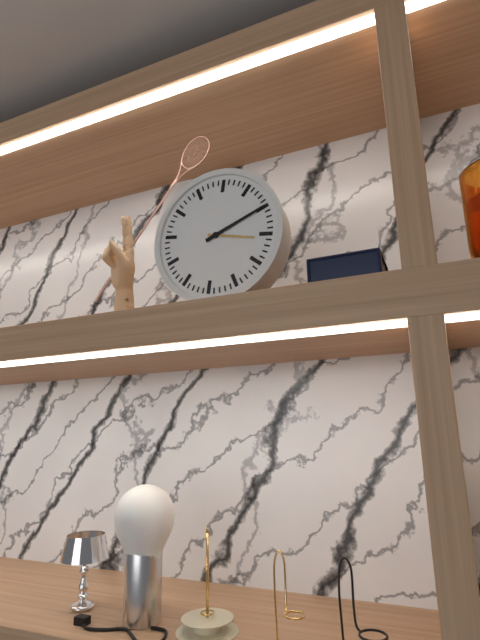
3:10
